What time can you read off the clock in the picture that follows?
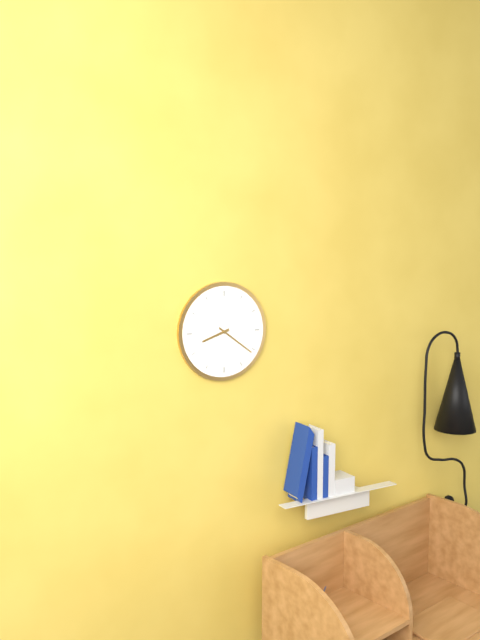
8:21
